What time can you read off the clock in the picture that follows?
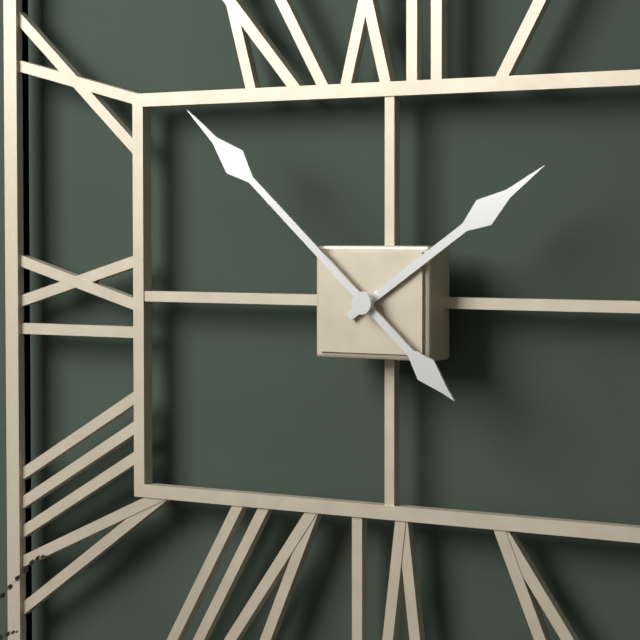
1:52
